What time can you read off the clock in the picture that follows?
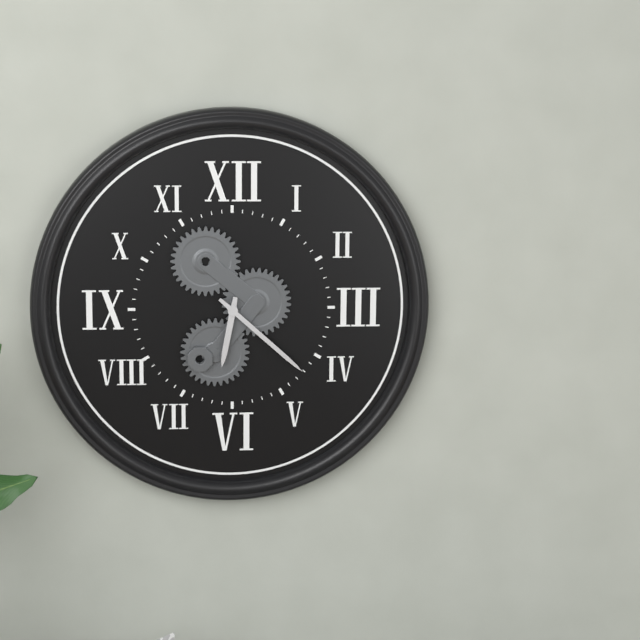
6:22
